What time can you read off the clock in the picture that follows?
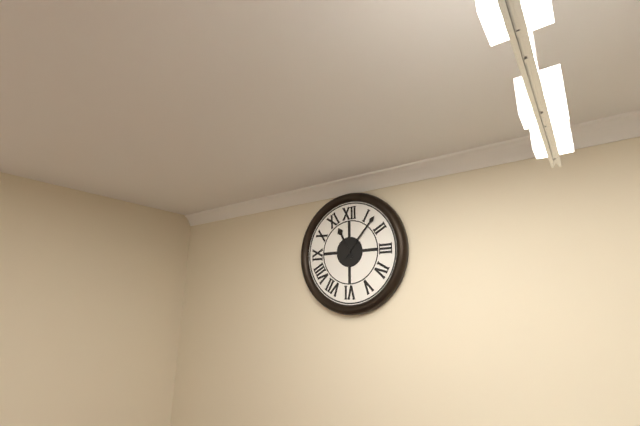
11:07
